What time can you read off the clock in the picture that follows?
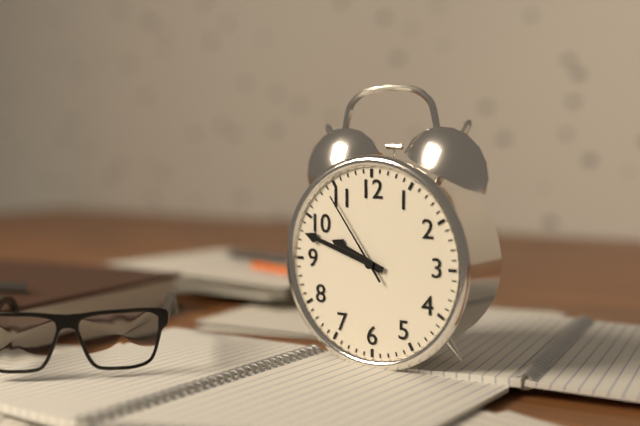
9:48:54
